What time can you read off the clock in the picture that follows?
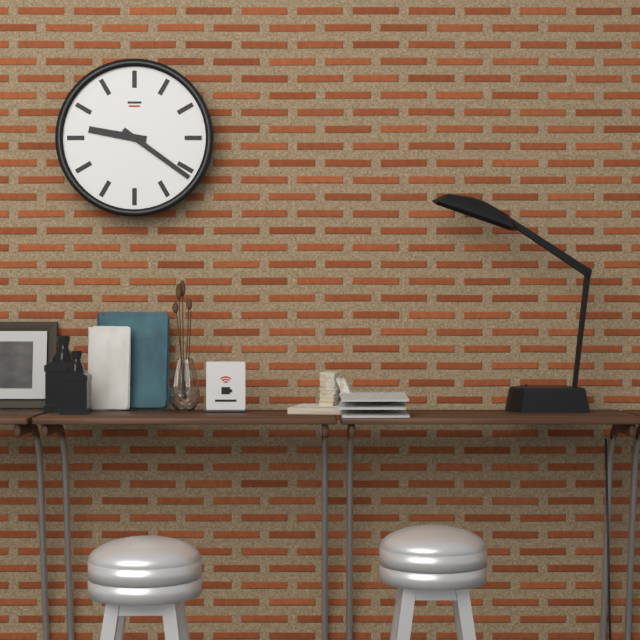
9:21
